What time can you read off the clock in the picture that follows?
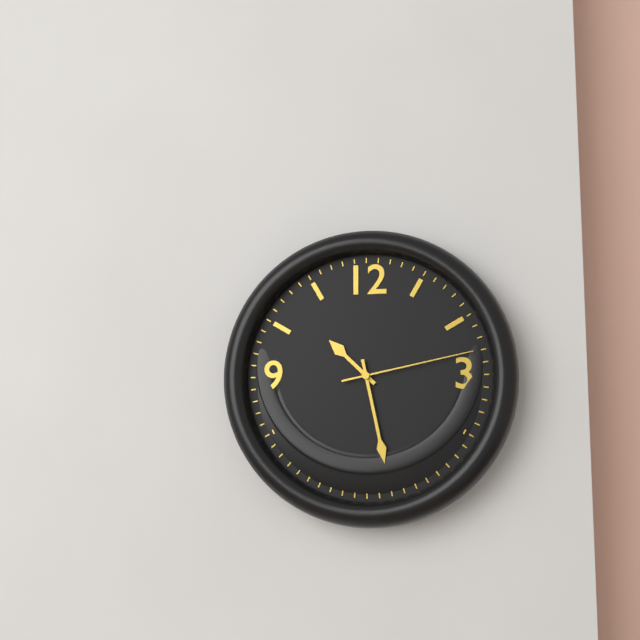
10:28:13
